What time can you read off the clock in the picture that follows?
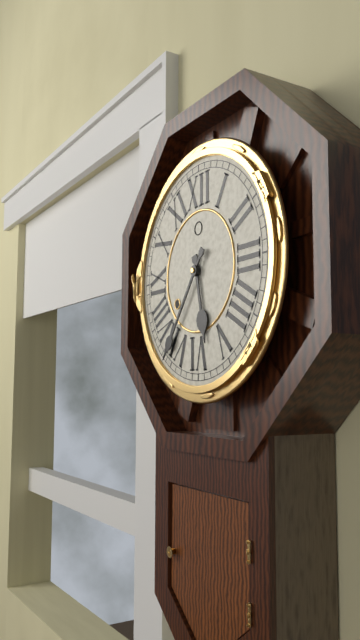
5:36
